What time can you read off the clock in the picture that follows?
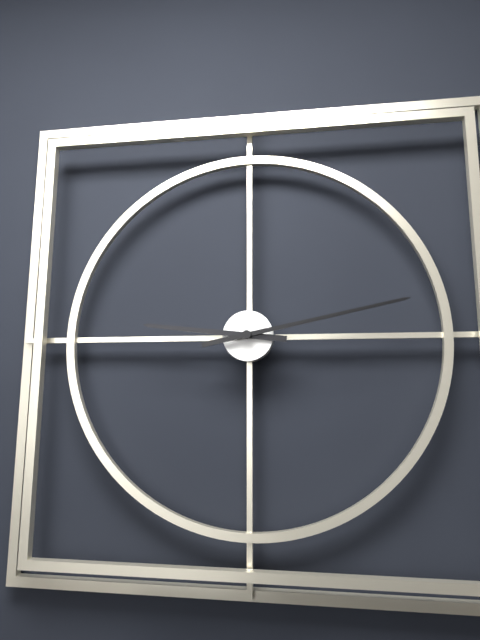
9:13
